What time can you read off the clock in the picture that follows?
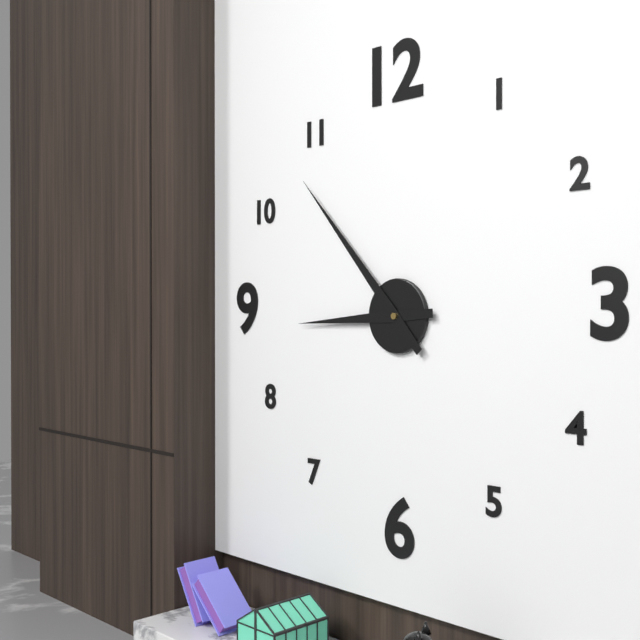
8:53
